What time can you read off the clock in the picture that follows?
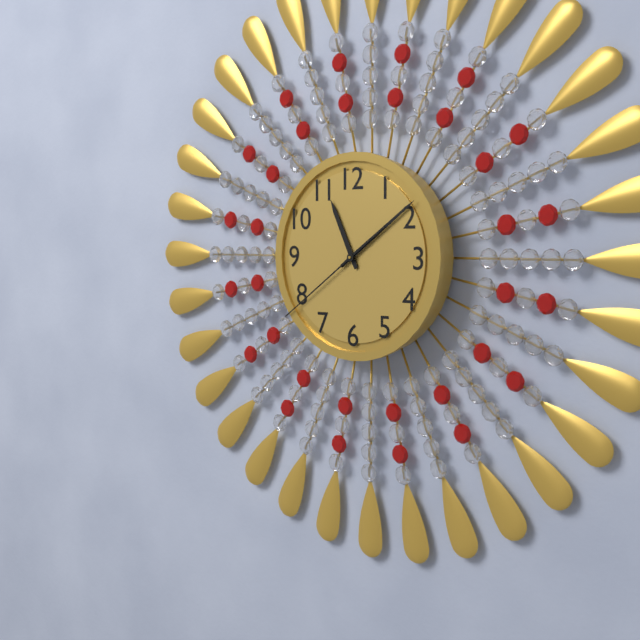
11:09:39
